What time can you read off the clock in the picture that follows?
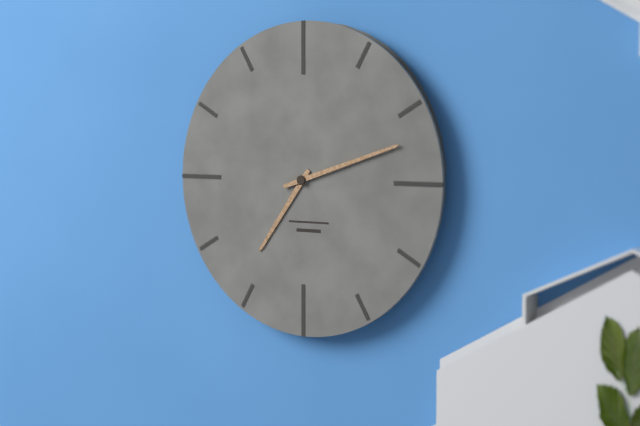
7:12
